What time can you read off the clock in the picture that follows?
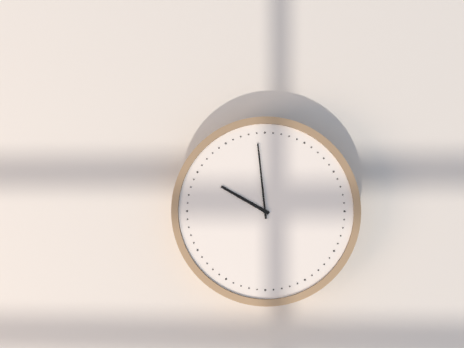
9:59
